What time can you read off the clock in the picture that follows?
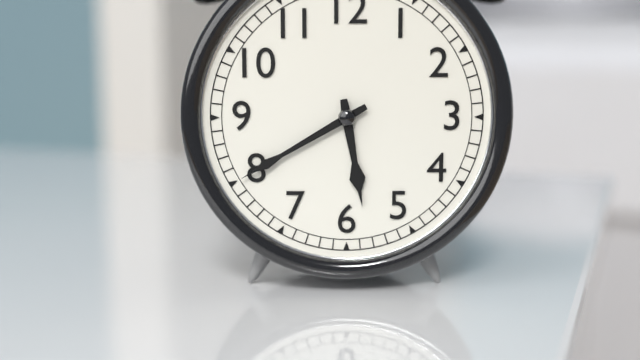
5:40
